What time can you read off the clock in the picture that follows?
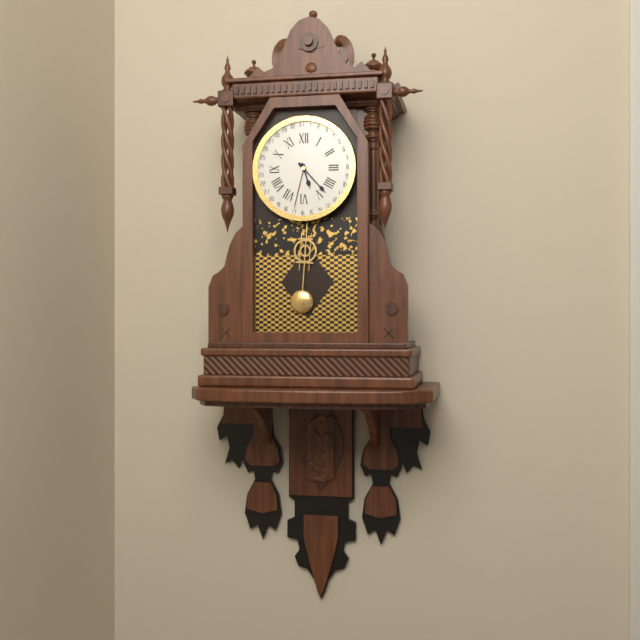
5:23
